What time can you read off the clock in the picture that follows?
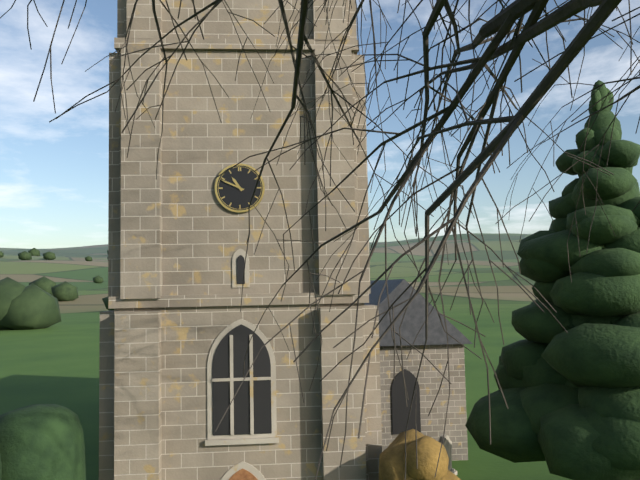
10:49
